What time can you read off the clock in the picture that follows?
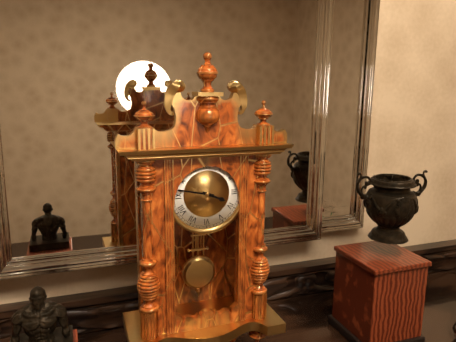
3:47
